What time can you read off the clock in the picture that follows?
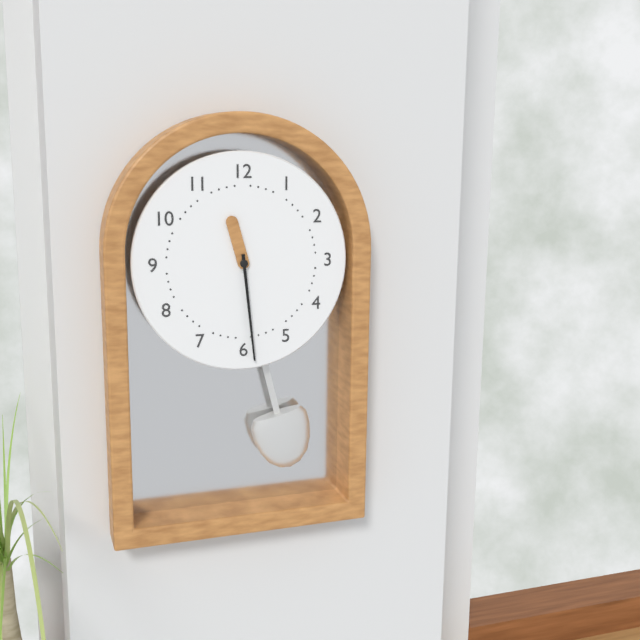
11:29
